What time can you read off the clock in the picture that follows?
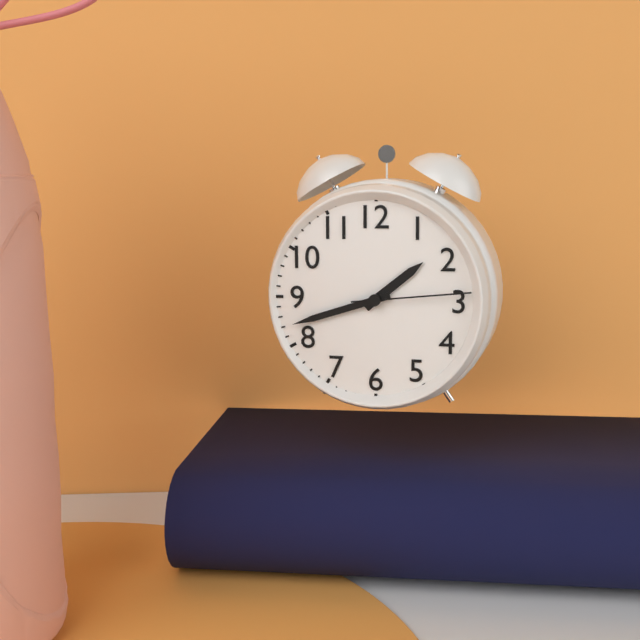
1:42:14
